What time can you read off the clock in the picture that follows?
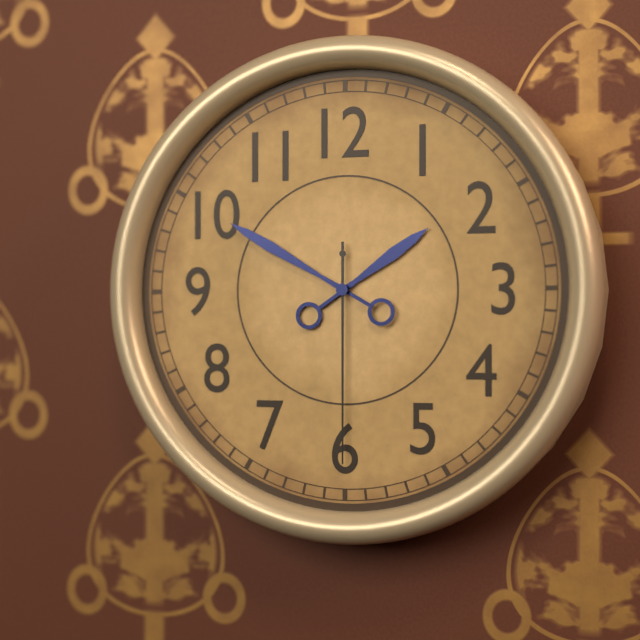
1:50:30
